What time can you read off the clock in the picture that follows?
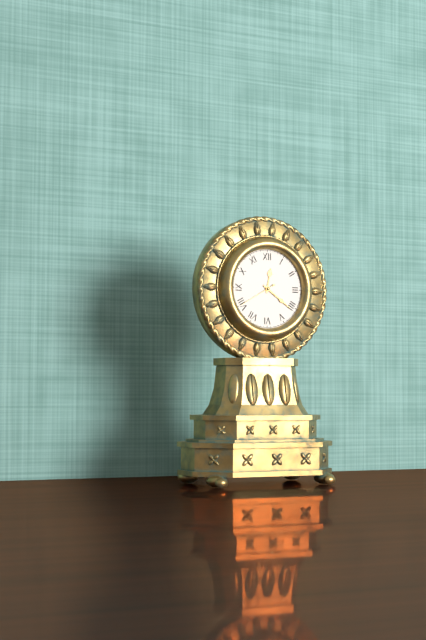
12:21
